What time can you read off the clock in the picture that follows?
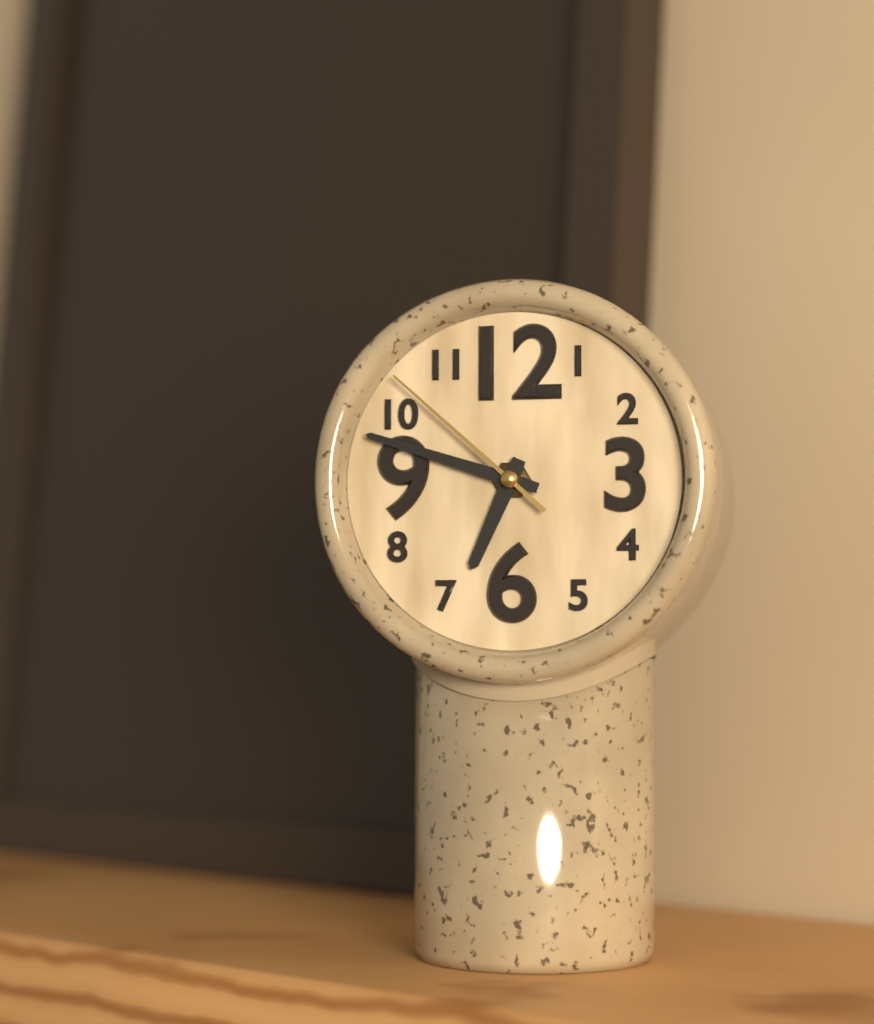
6:48:52
